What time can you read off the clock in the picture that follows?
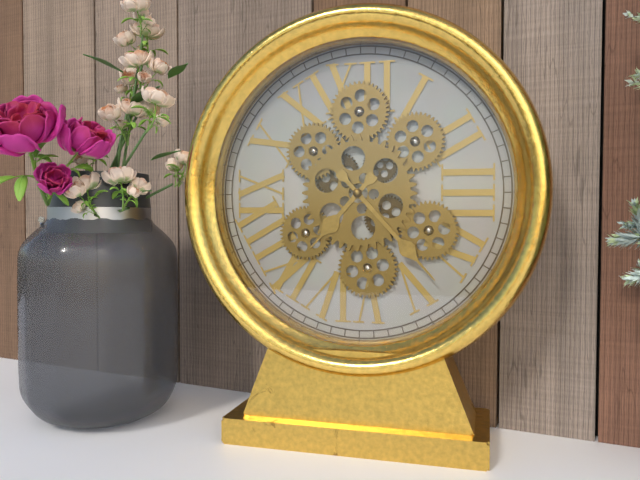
7:23
